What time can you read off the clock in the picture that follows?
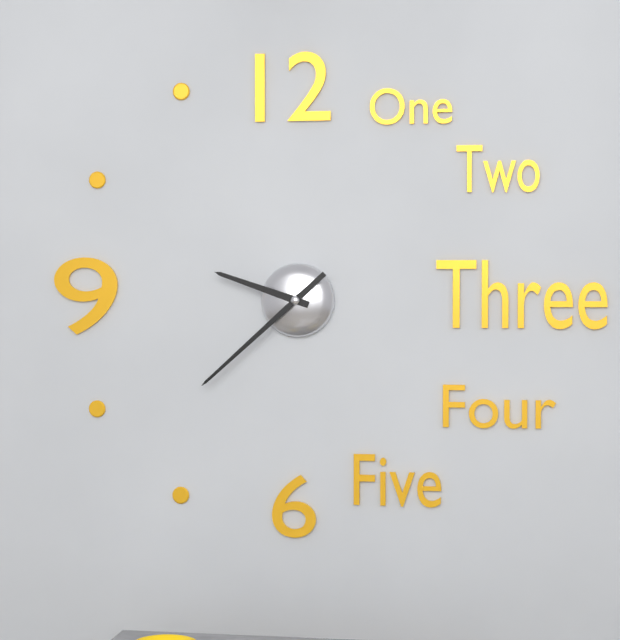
9:38
